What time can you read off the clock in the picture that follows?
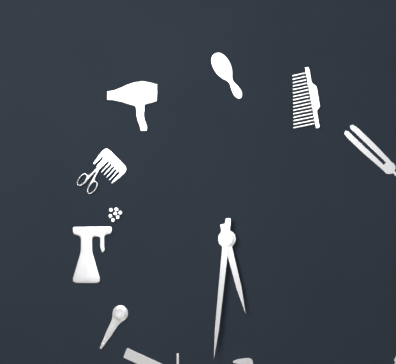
5:31
